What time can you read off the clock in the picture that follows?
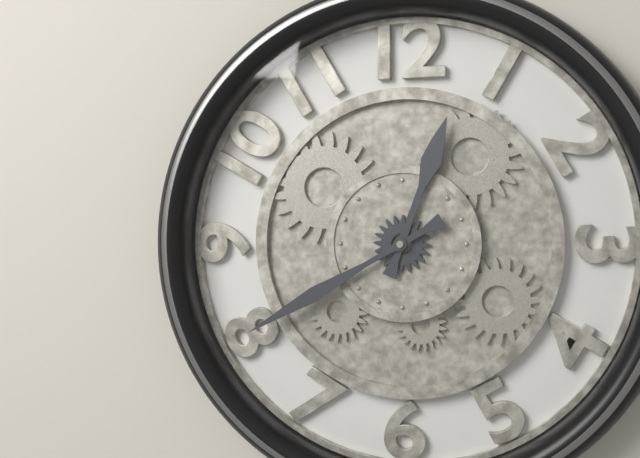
12:40
